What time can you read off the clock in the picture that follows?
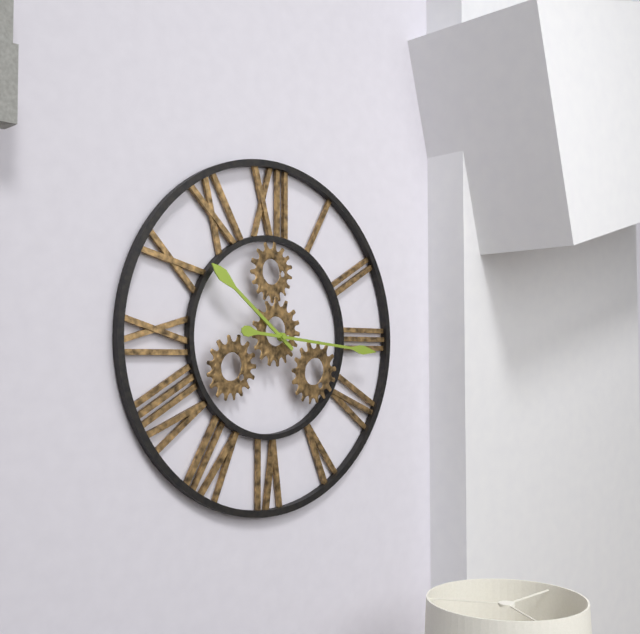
10:16
